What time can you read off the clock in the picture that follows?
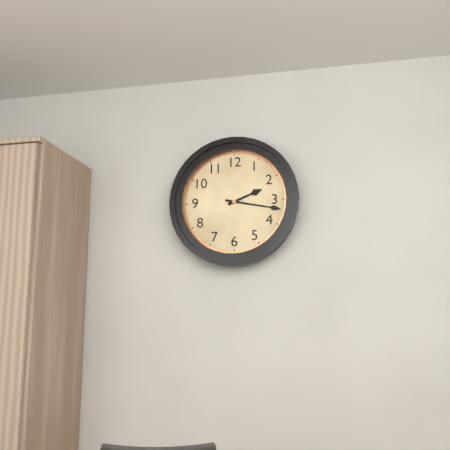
2:17
